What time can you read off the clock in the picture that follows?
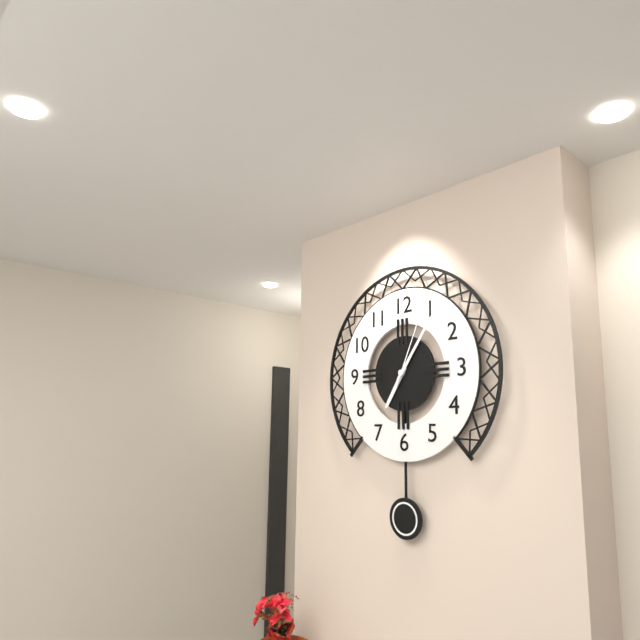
7:06:04
